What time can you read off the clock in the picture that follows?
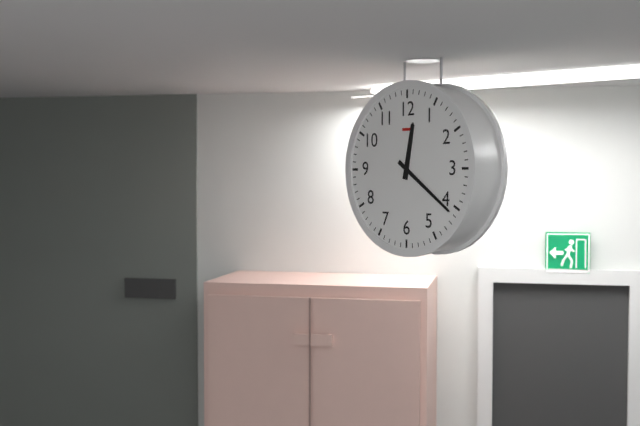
12:21
